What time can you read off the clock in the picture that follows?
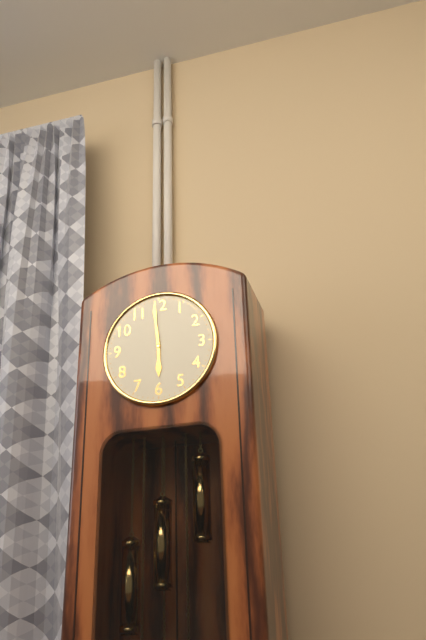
5:59
